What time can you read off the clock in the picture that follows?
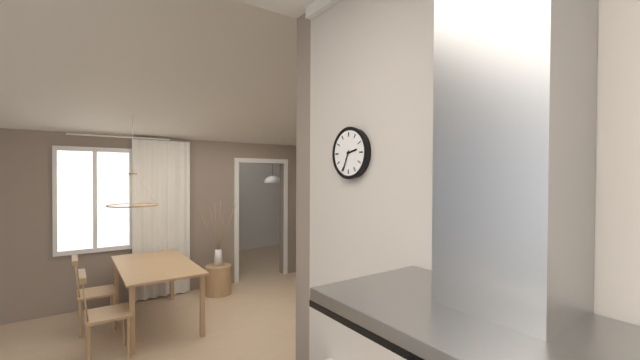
2:34
